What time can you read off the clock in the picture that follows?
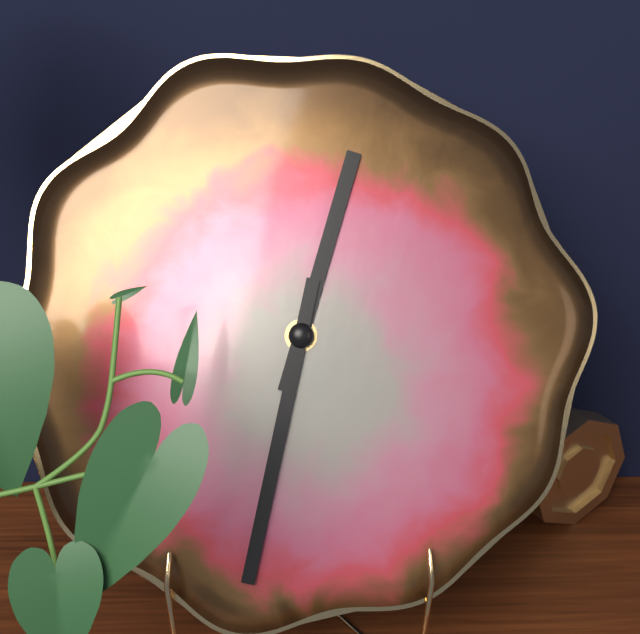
12:32
